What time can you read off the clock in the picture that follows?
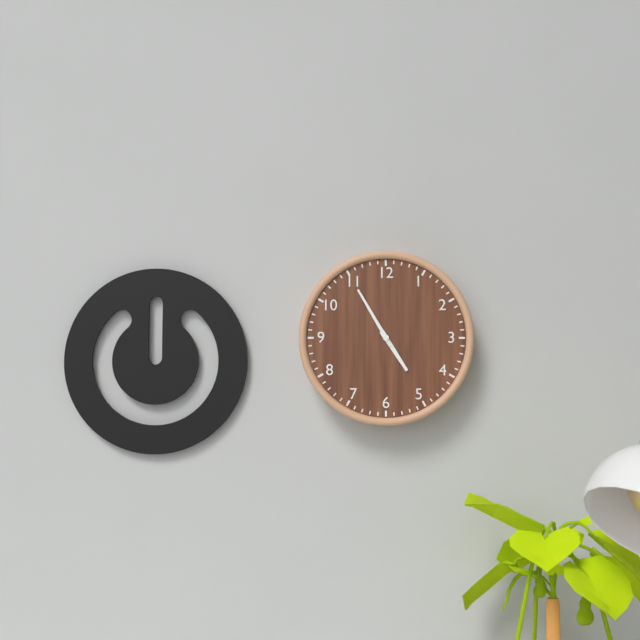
4:55
